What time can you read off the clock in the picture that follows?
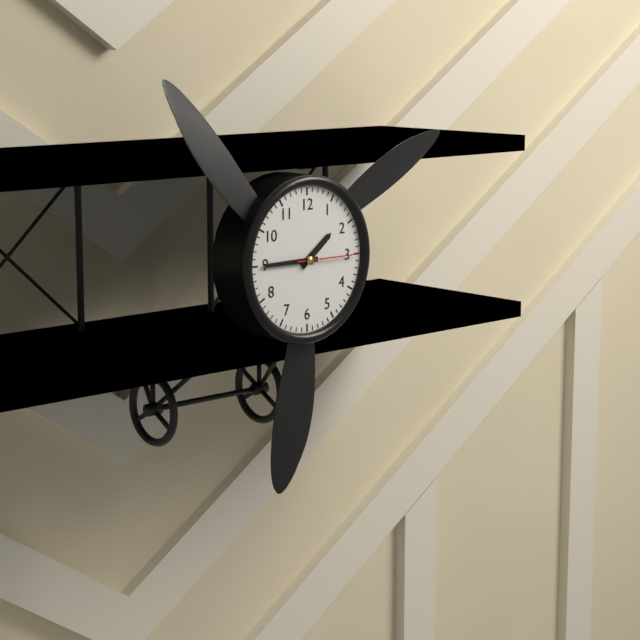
1:45:15
